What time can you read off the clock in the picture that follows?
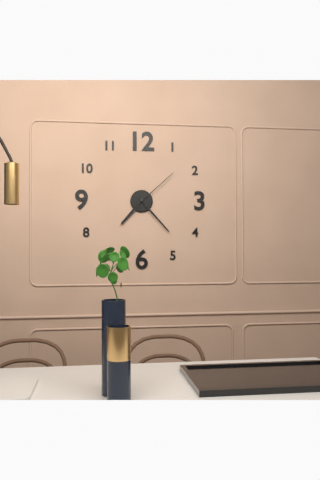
7:23:08
